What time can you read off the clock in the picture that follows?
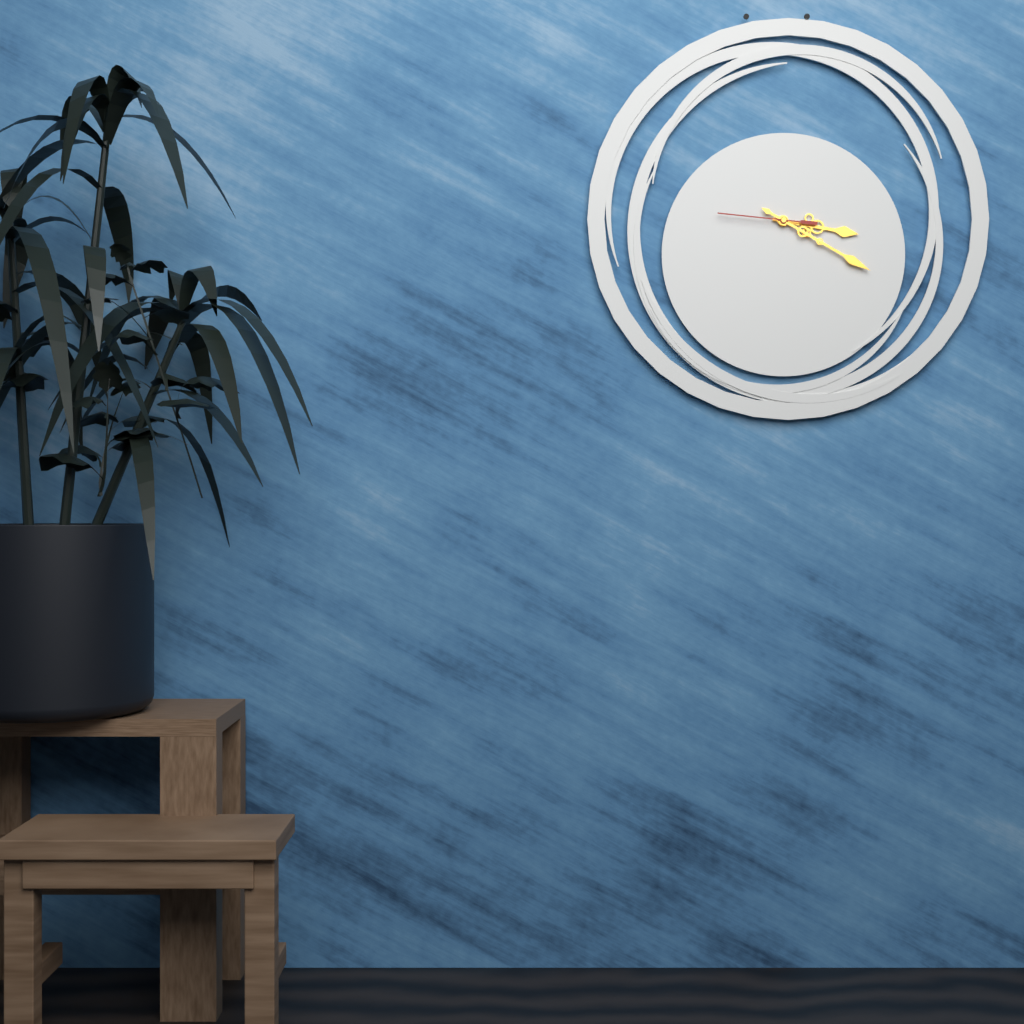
3:20:46
